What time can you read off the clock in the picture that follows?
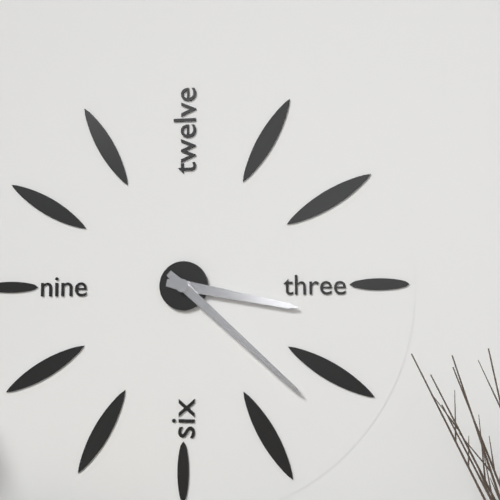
3:22
